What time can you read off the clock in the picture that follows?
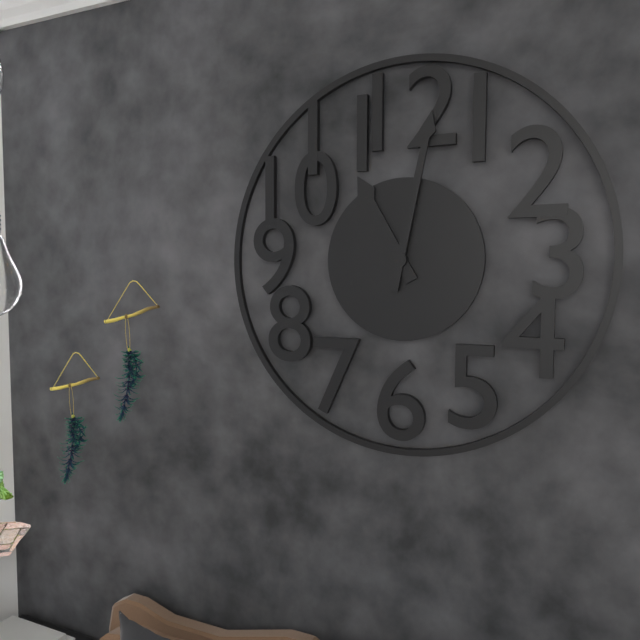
11:02
